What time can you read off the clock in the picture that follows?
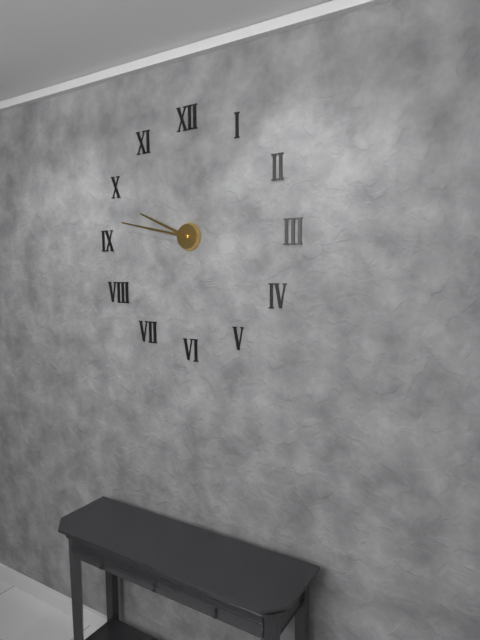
9:47
